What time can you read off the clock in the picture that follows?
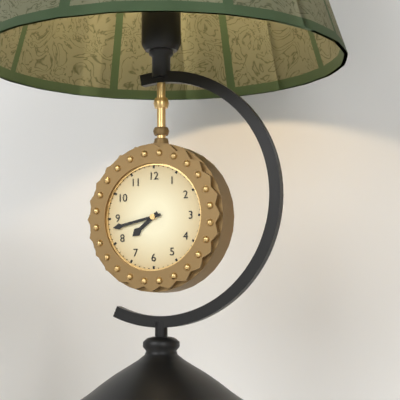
7:43
